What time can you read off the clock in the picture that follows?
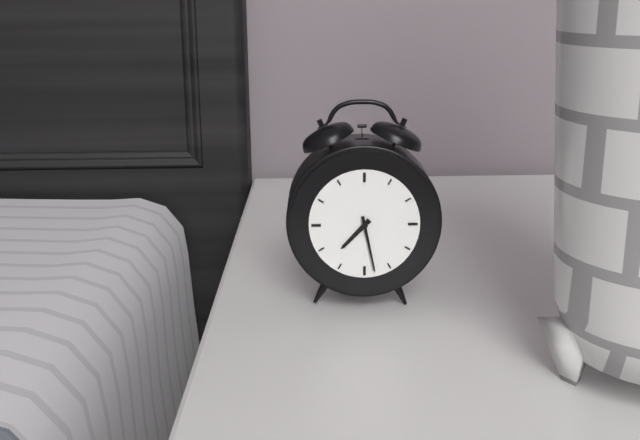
7:28
